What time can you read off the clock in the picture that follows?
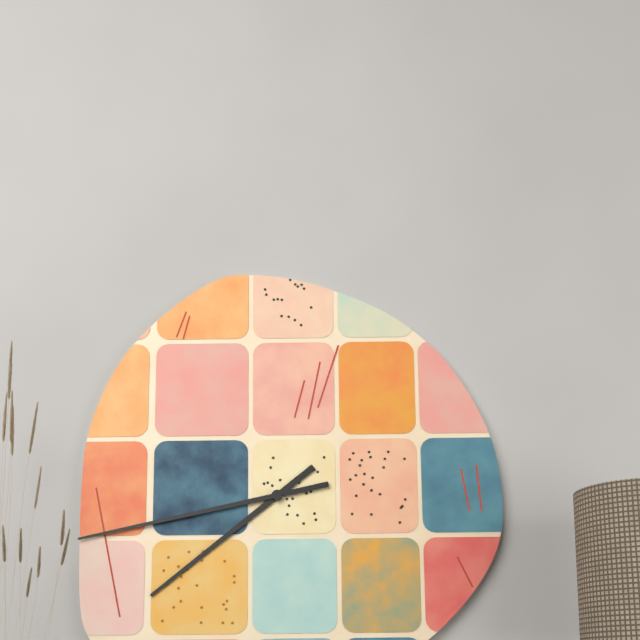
7:43
